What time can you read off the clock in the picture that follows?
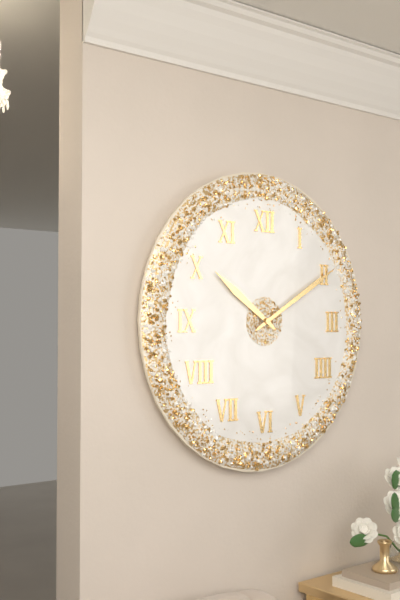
10:10
